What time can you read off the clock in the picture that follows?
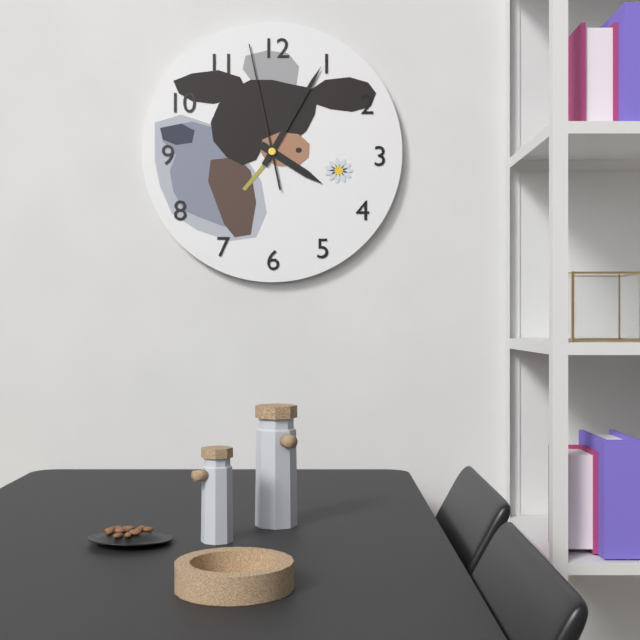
4:05:58
